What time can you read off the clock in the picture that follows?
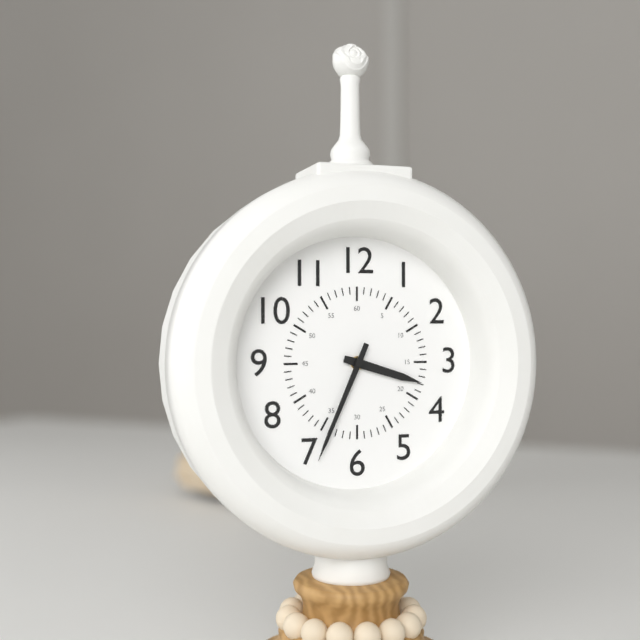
3:34
